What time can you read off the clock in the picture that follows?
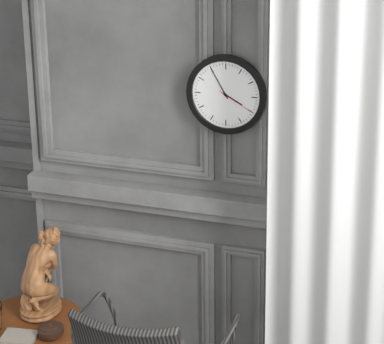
3:55
